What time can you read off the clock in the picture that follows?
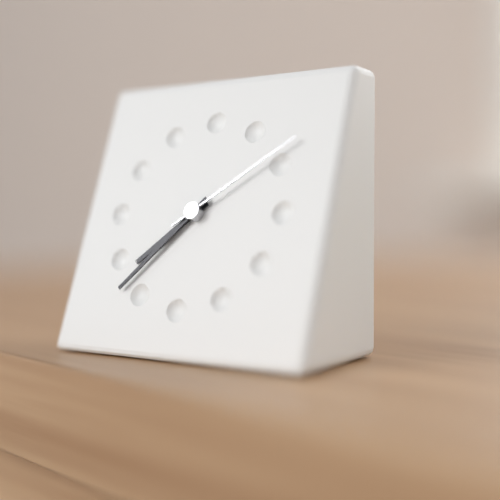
7:37:09
